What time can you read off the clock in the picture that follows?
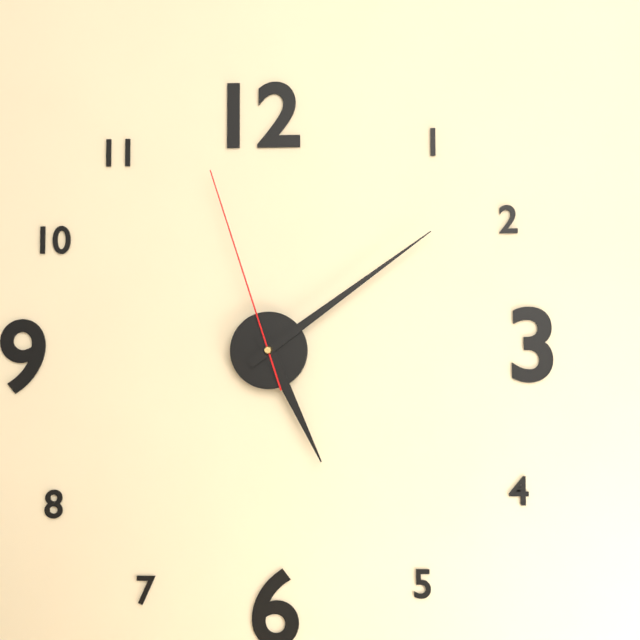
5:09:57
